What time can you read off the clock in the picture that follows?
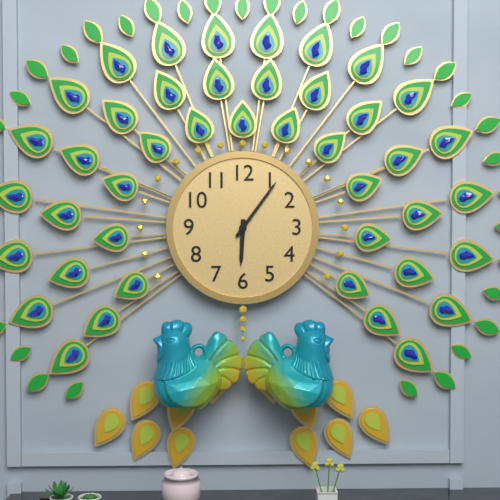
6:06
